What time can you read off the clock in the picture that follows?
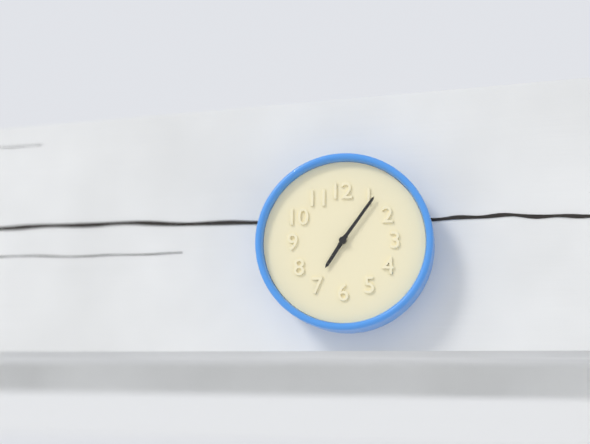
7:06
